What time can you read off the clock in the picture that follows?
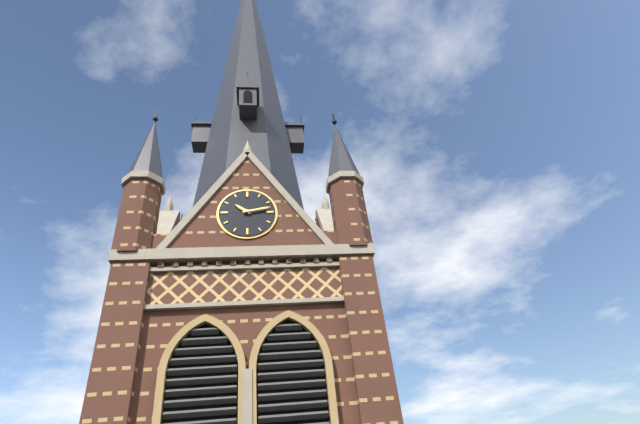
10:13
